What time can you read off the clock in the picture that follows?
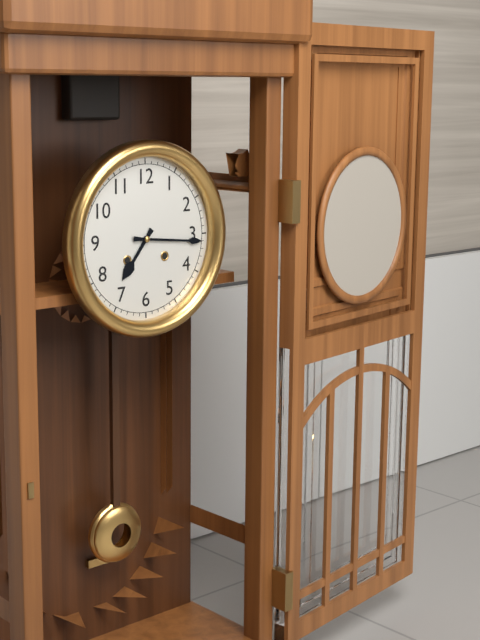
7:16
